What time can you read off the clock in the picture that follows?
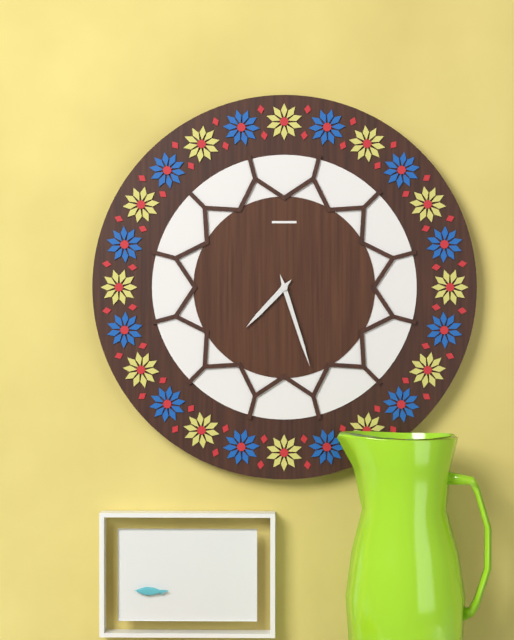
7:27
